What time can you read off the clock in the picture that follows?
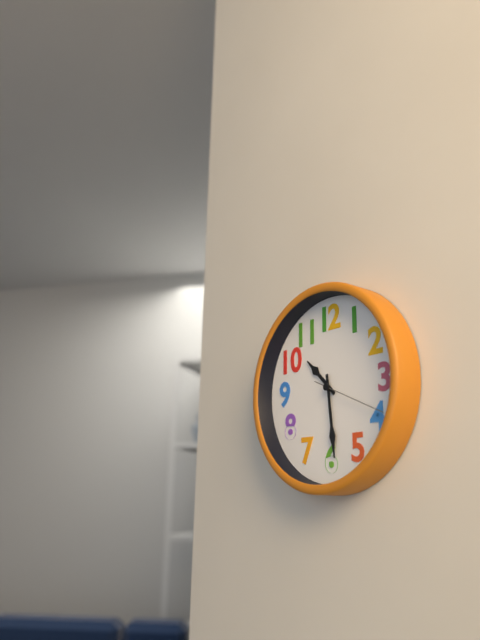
10:29:19
